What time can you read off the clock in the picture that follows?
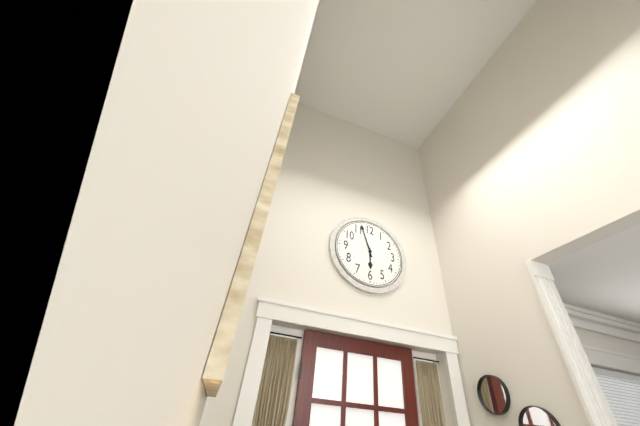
5:57
